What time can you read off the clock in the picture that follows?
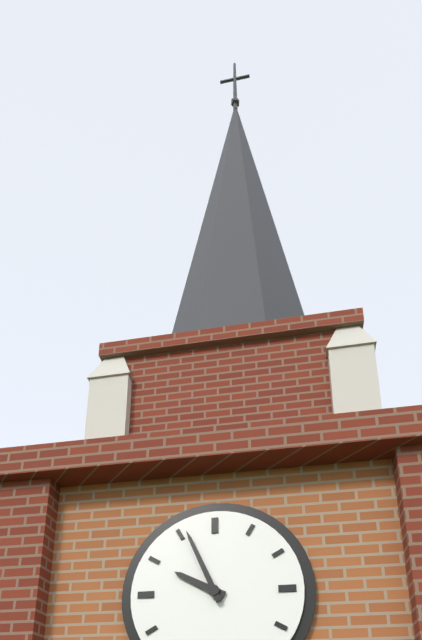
9:56
